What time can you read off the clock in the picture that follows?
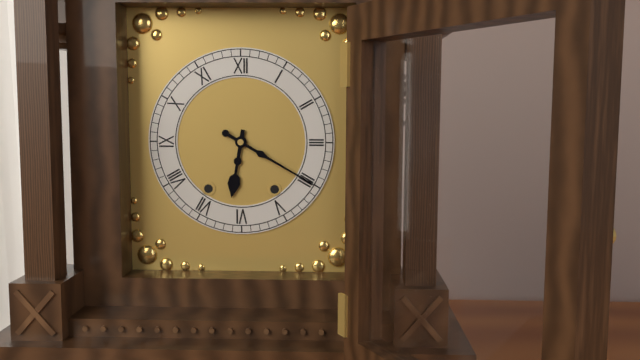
6:20
